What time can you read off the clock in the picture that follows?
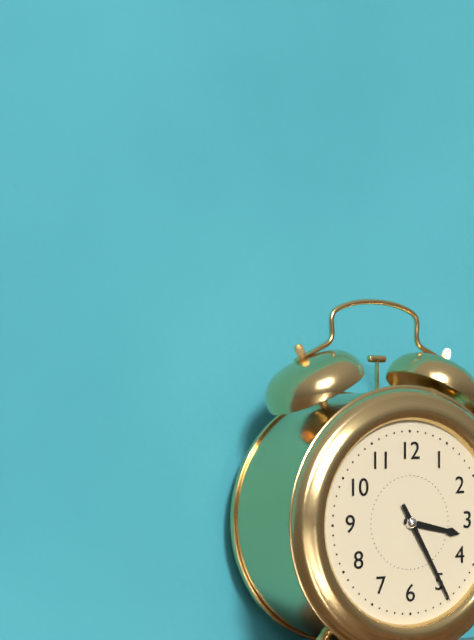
3:25
